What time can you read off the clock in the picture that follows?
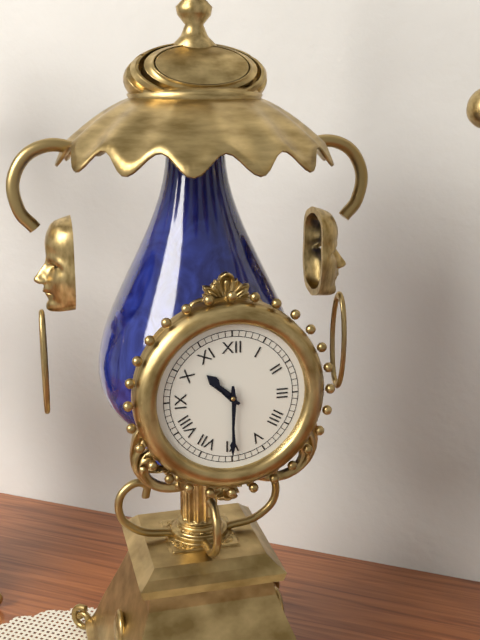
10:30
